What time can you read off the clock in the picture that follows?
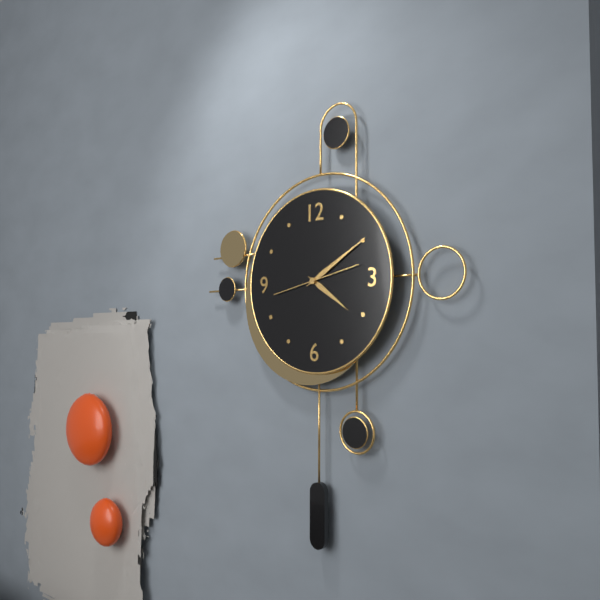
4:10
